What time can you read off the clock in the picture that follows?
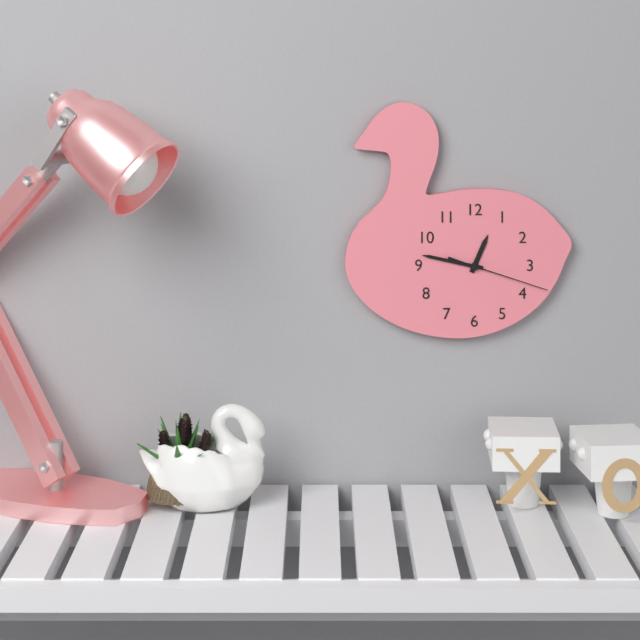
12:47:18
